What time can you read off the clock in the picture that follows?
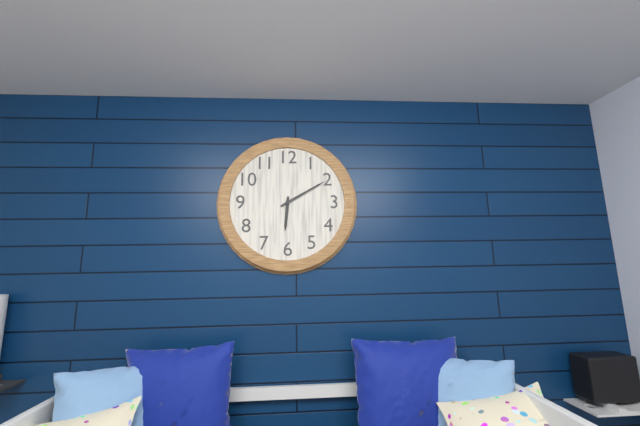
6:10
